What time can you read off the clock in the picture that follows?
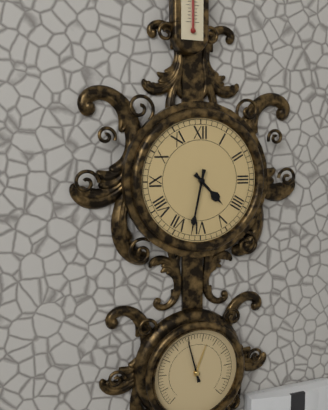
4:32
